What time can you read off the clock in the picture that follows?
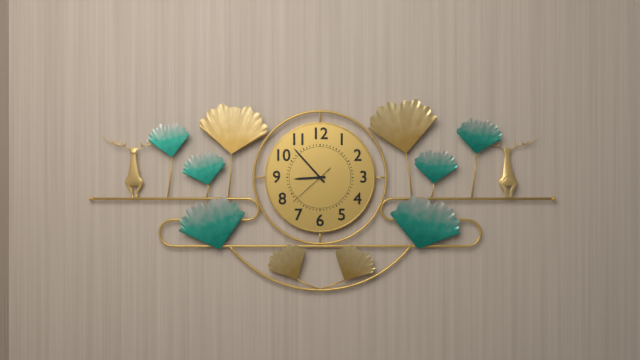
8:53
